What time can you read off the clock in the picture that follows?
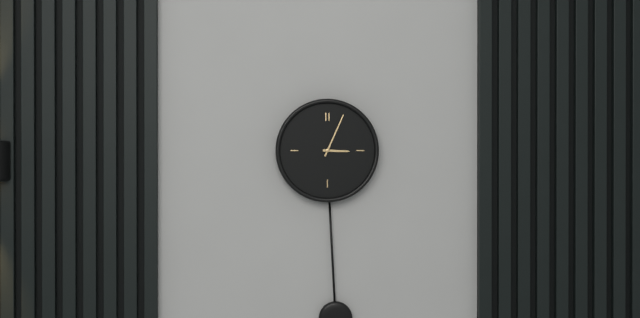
3:04
